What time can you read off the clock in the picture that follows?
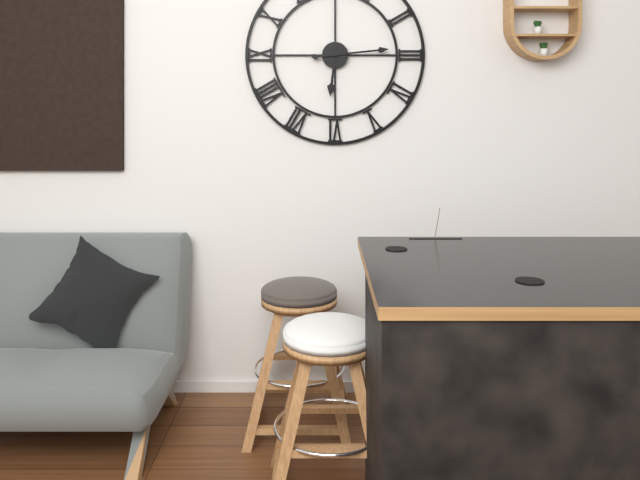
6:14
